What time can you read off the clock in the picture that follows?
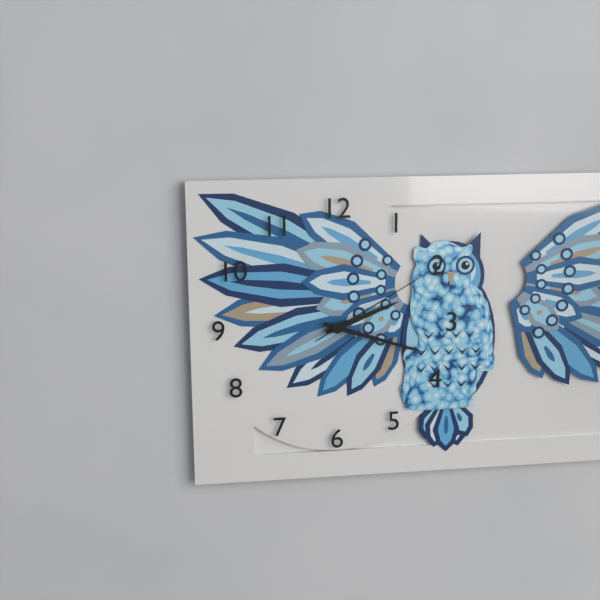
2:18:10
